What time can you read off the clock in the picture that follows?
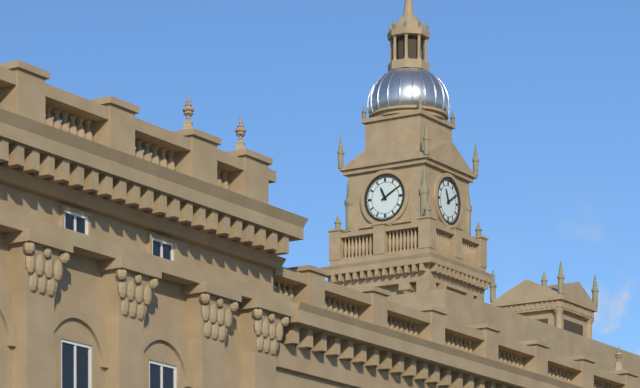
11:10
